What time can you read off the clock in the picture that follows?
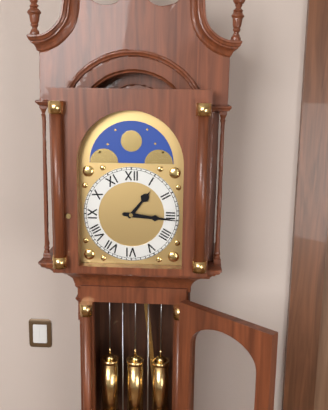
1:16
